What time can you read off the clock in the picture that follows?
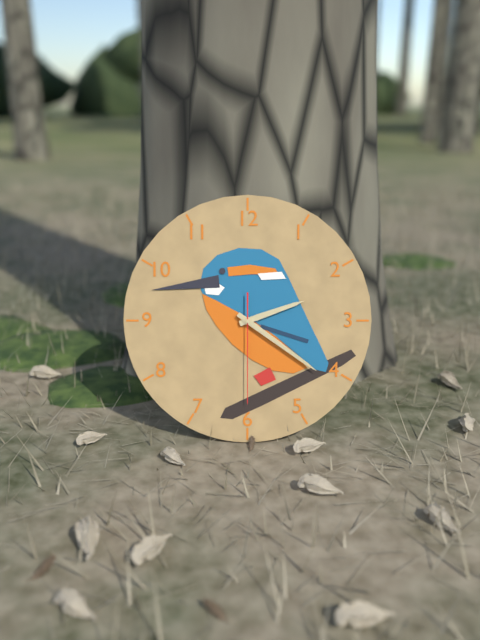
2:21:30
